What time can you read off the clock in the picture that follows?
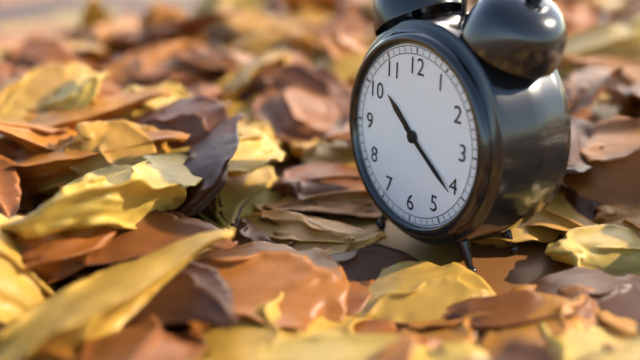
10:21
